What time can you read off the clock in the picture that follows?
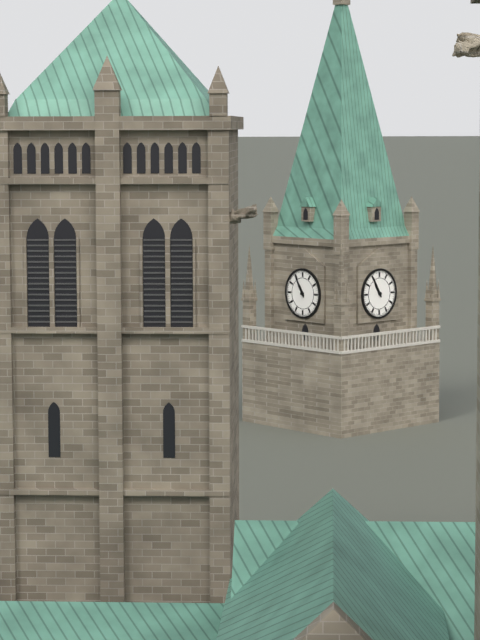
10:55
